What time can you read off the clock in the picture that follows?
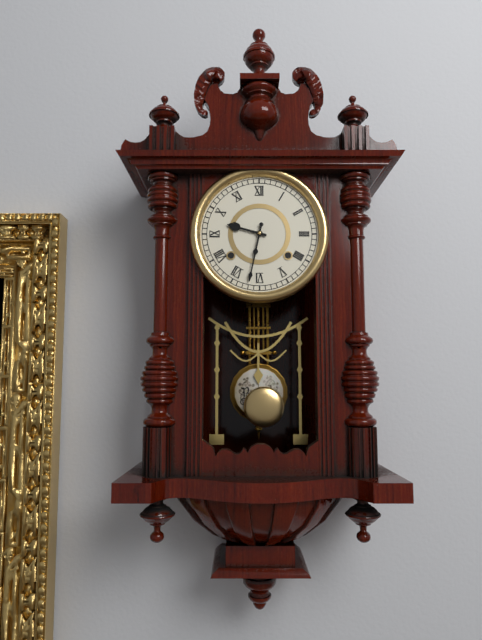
9:32
